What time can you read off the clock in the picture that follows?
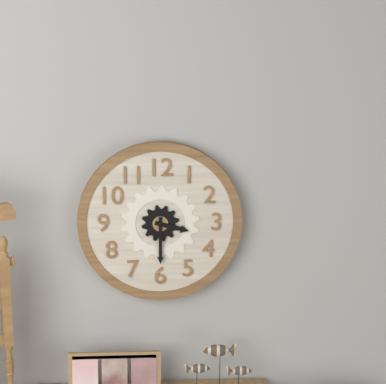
3:30
